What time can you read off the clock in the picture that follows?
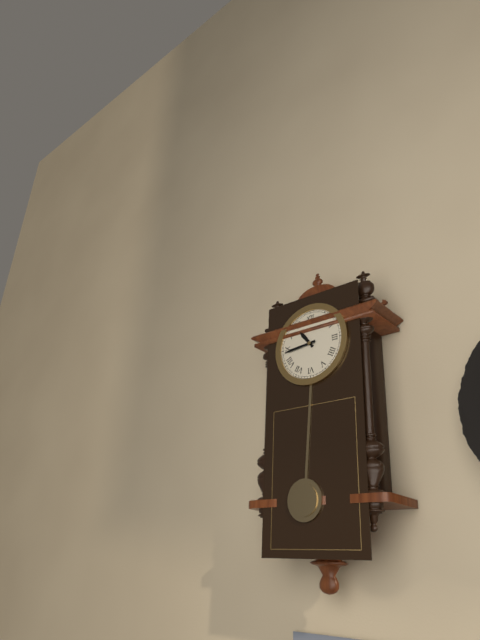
10:44
